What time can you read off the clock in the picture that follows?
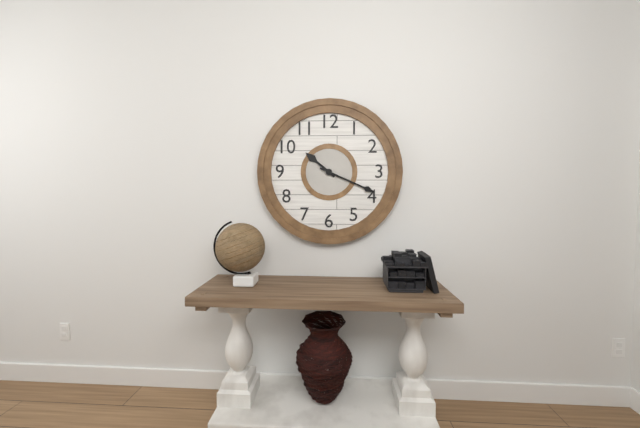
10:19
